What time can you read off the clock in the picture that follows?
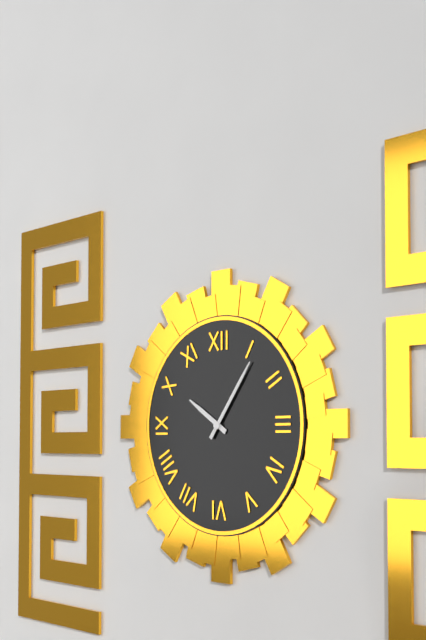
10:06
